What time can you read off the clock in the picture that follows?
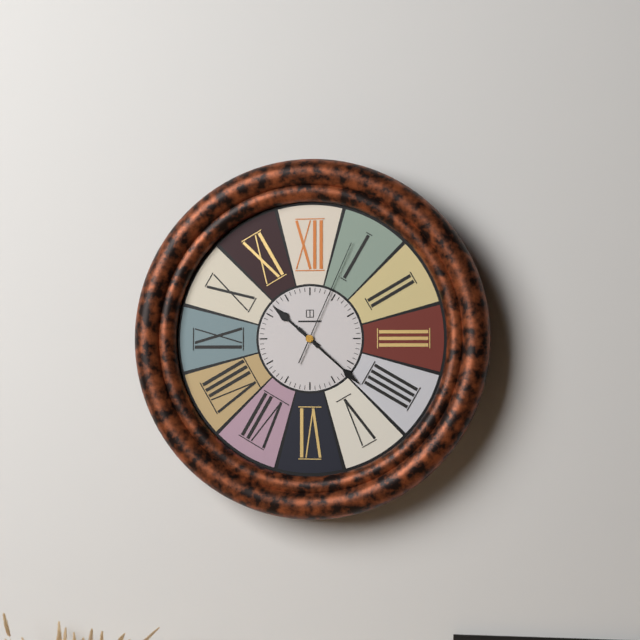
10:22:04
